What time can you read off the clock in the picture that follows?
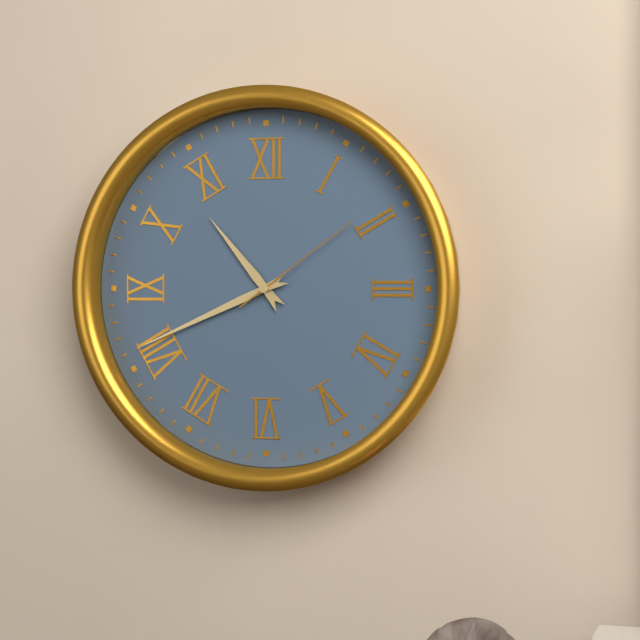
10:41:09
